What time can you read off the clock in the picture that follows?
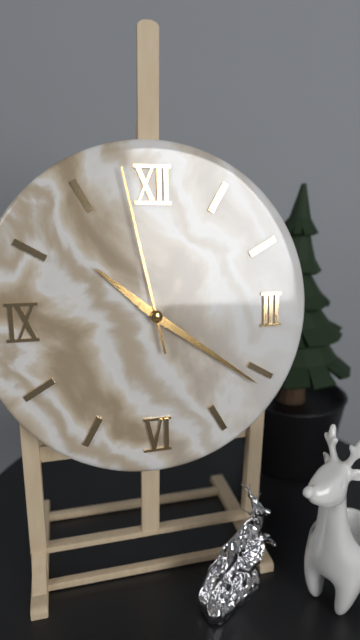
10:21:58
